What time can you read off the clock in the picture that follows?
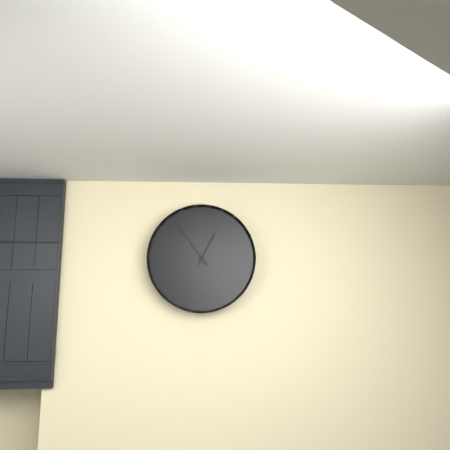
12:54
